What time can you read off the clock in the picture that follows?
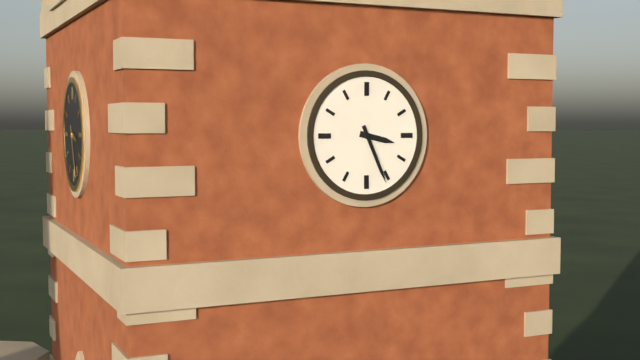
3:26
